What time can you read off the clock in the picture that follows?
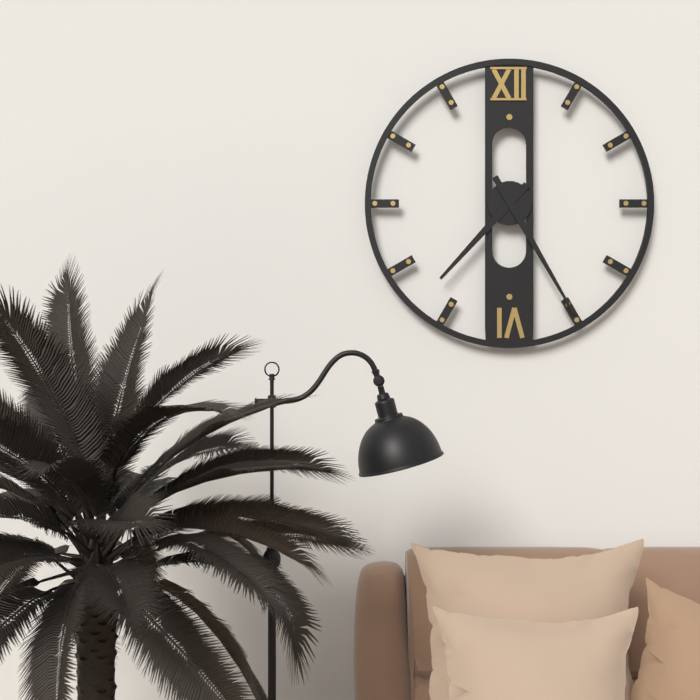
7:25
